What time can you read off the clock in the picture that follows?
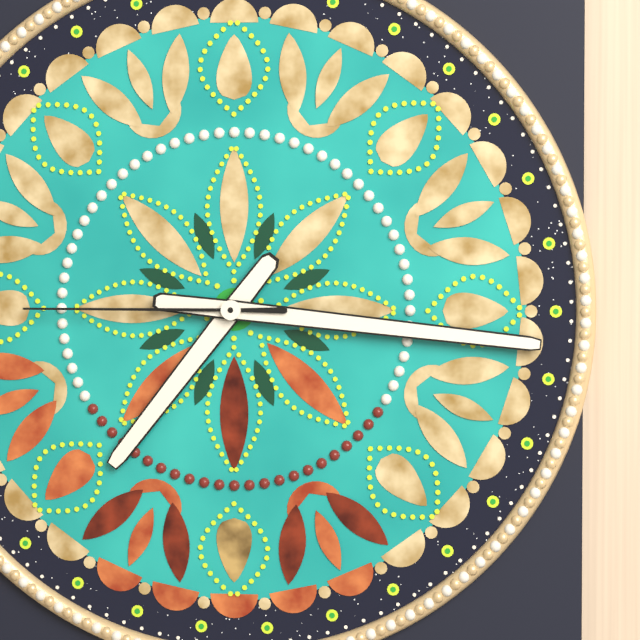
7:16:45
